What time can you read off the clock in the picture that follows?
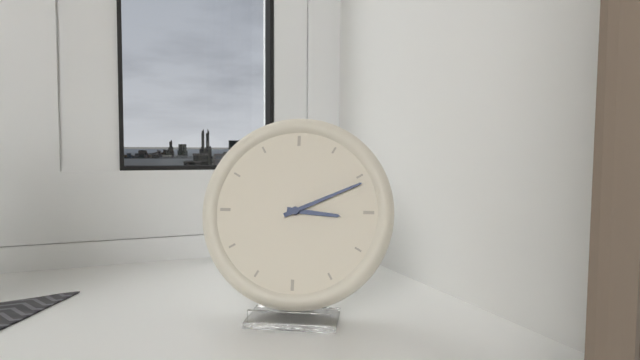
3:11
